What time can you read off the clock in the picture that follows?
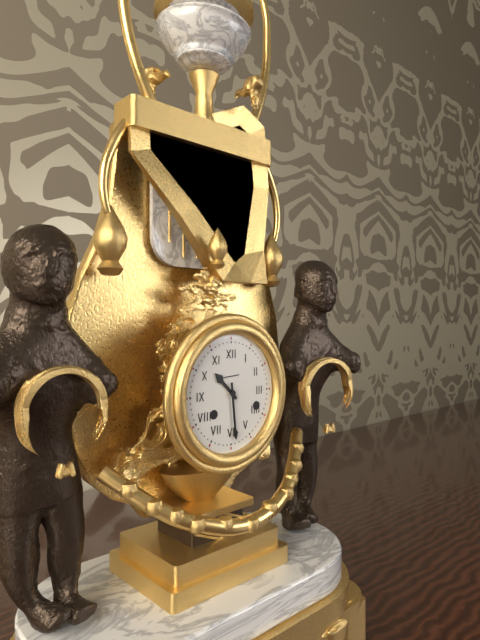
10:29
